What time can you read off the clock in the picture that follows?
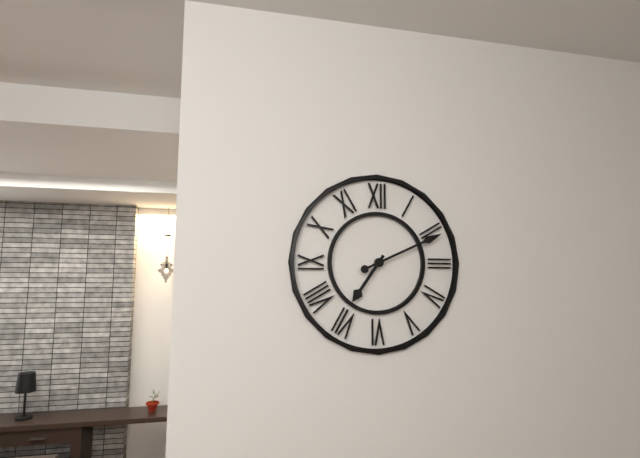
7:11
